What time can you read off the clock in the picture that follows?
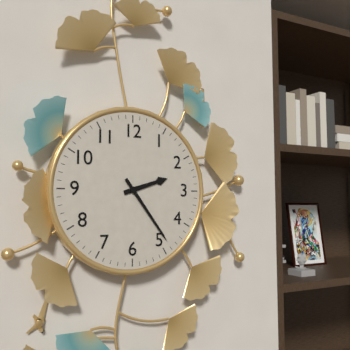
2:24
